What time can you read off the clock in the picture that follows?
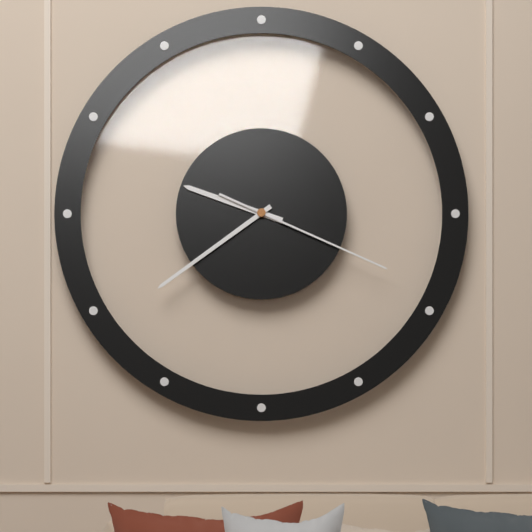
9:39:19
